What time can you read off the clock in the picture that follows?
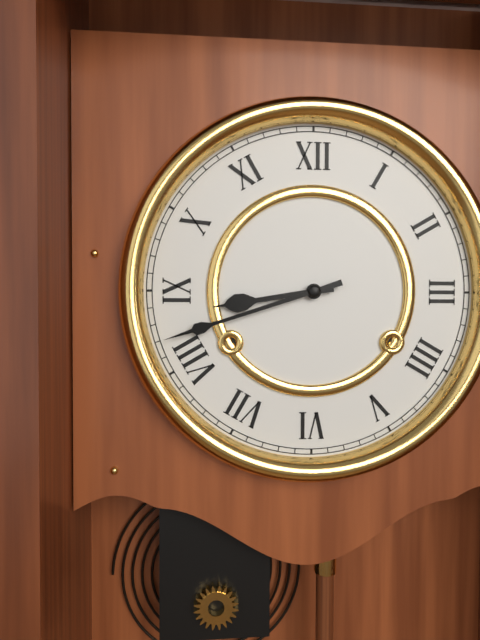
8:42
